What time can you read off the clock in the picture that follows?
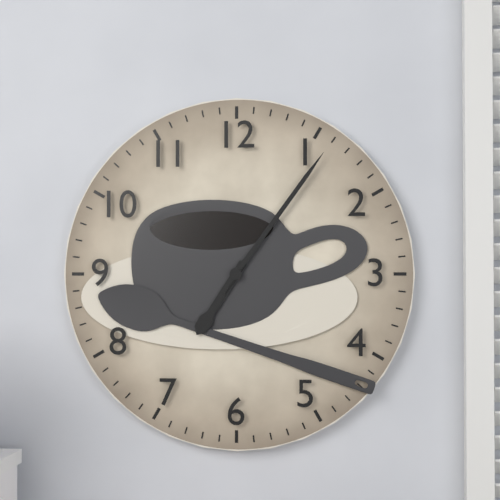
7:06
